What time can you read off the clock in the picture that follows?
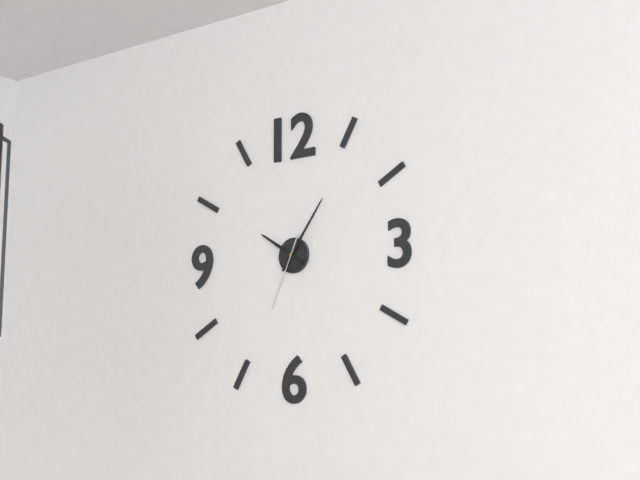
10:06:34
